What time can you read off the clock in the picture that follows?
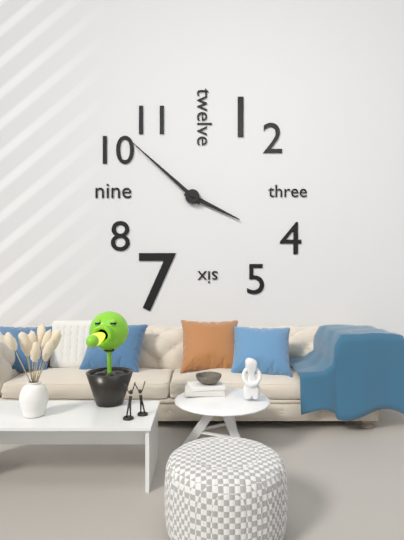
3:52
